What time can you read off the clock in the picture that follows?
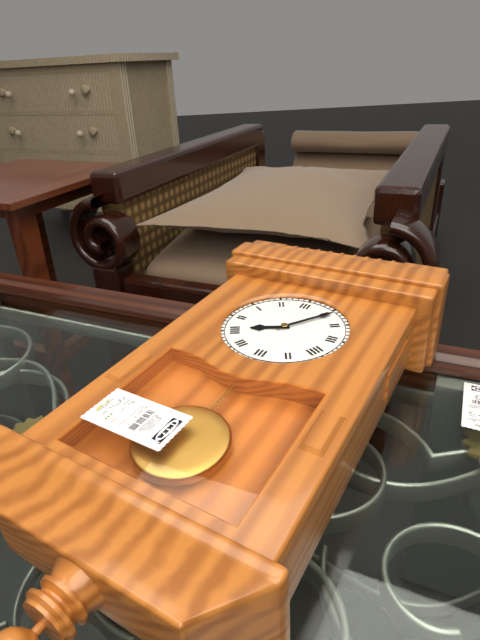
8:06
